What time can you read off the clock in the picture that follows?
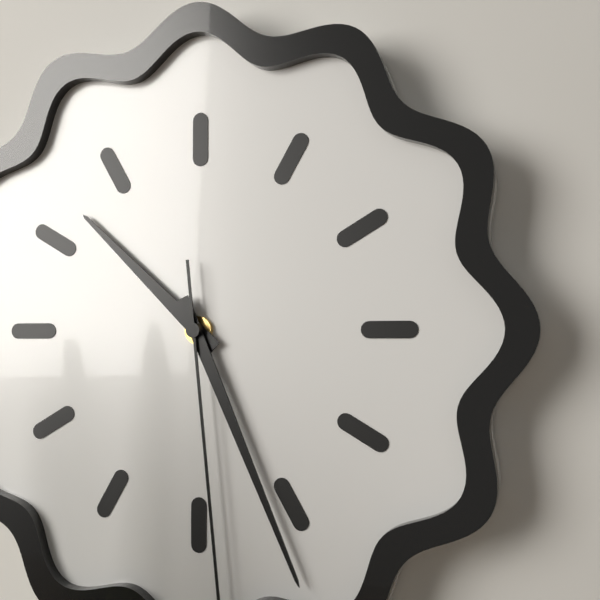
10:26
